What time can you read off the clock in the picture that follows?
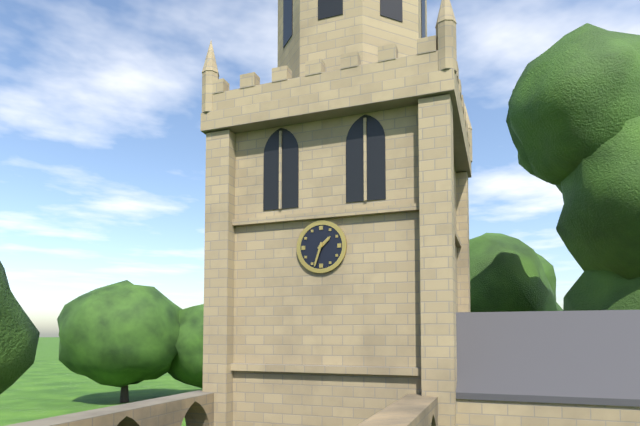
1:33
